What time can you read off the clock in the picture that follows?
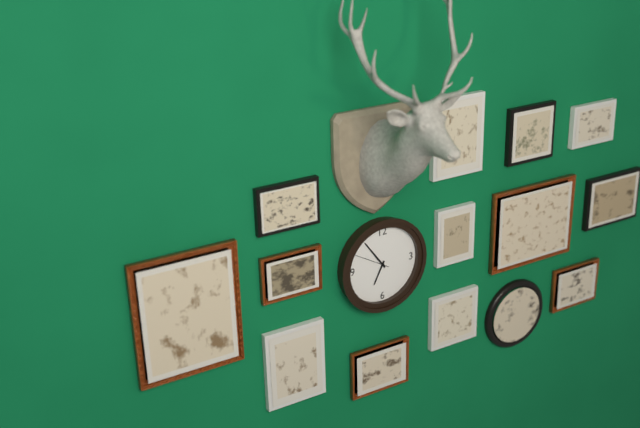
6:54
